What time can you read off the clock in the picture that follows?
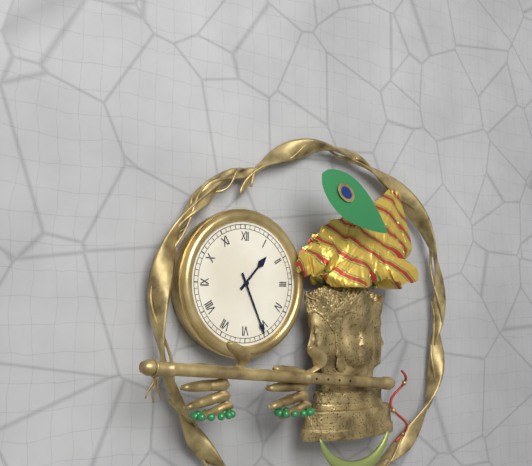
1:26
